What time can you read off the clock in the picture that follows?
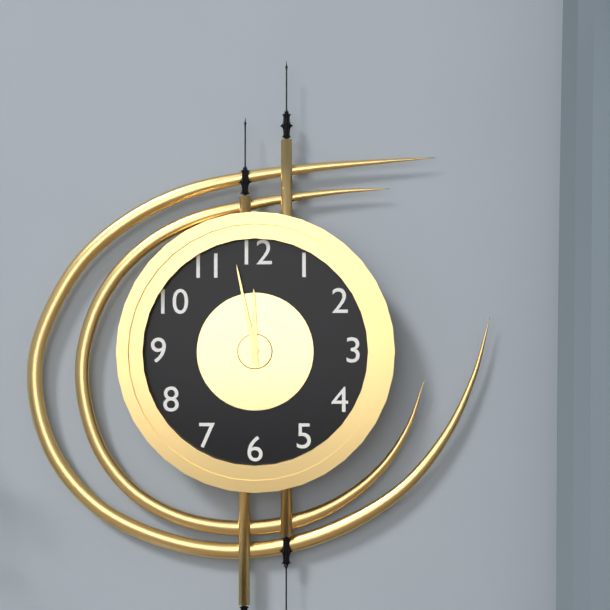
11:58
